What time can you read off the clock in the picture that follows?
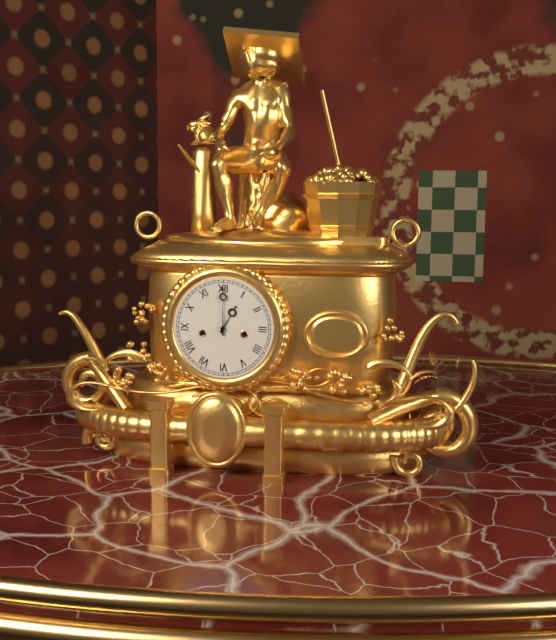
1:00
